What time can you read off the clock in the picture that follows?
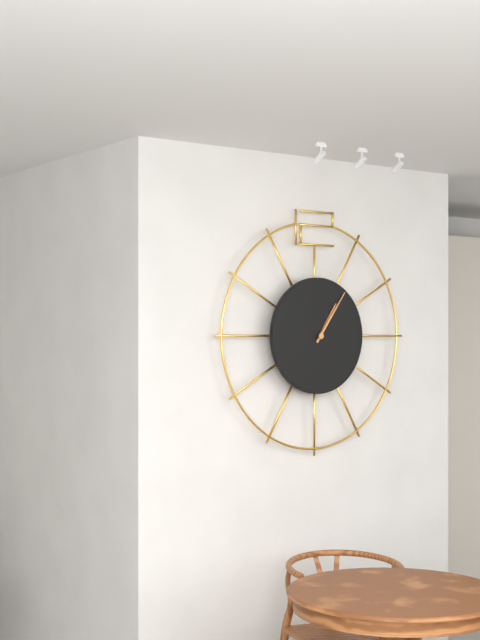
1:06
